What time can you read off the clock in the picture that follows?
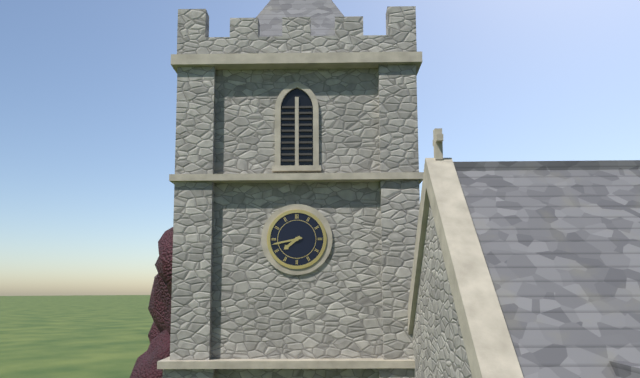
7:43
